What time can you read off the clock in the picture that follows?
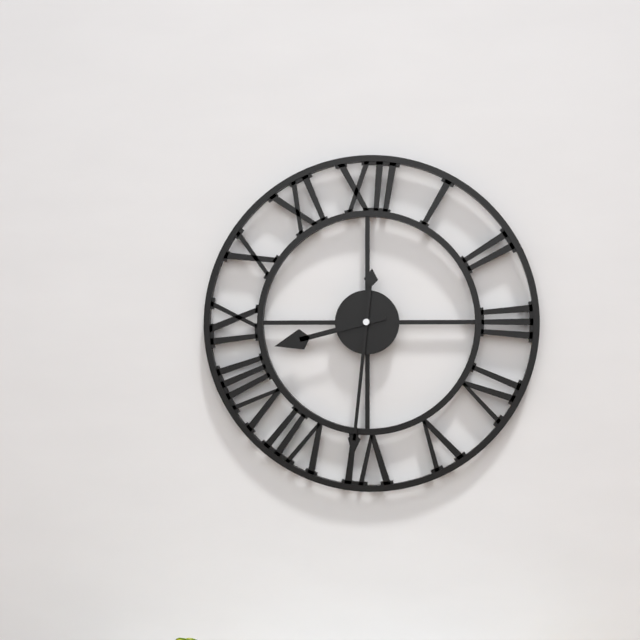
8:31
